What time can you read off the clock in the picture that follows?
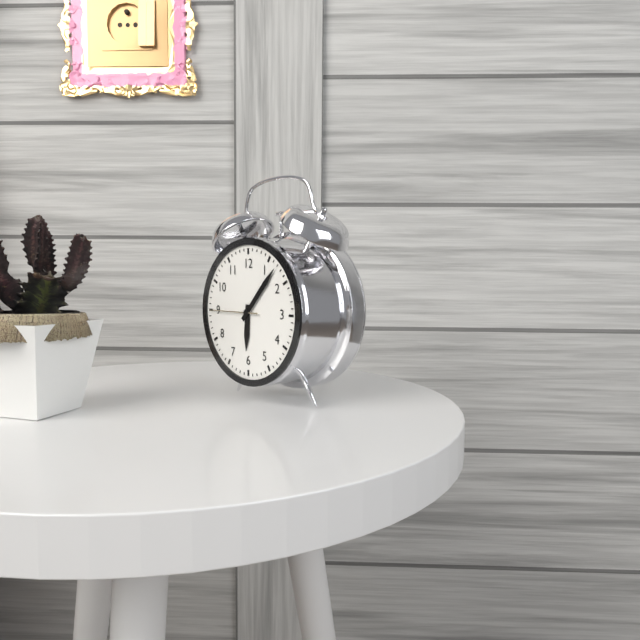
6:07
